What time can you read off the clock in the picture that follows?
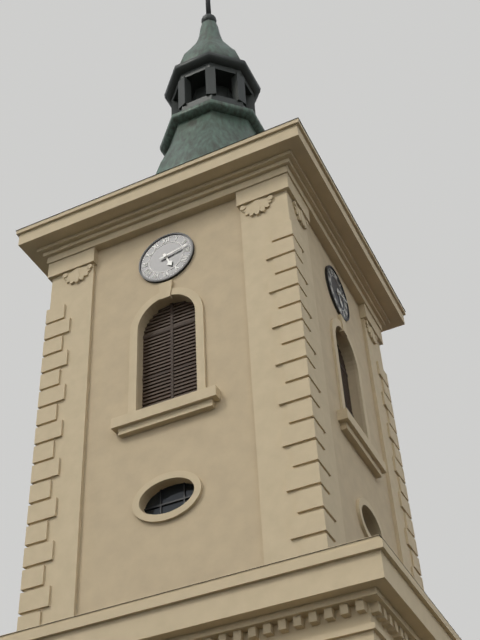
5:13
